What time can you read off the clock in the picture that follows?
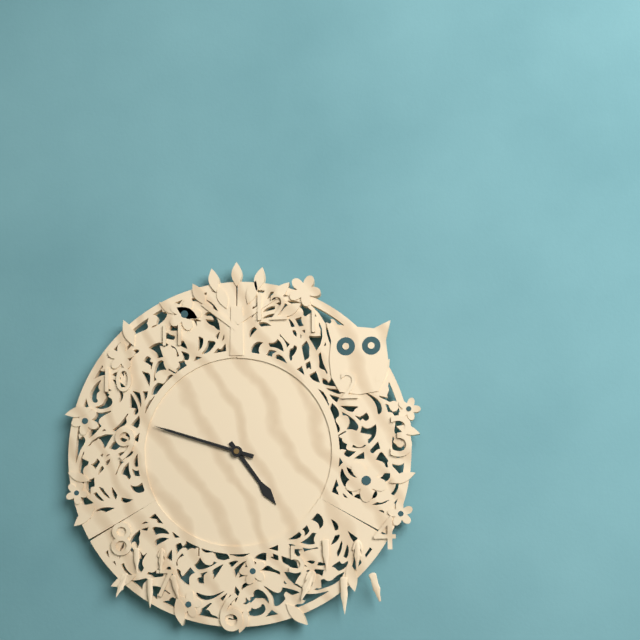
4:48
